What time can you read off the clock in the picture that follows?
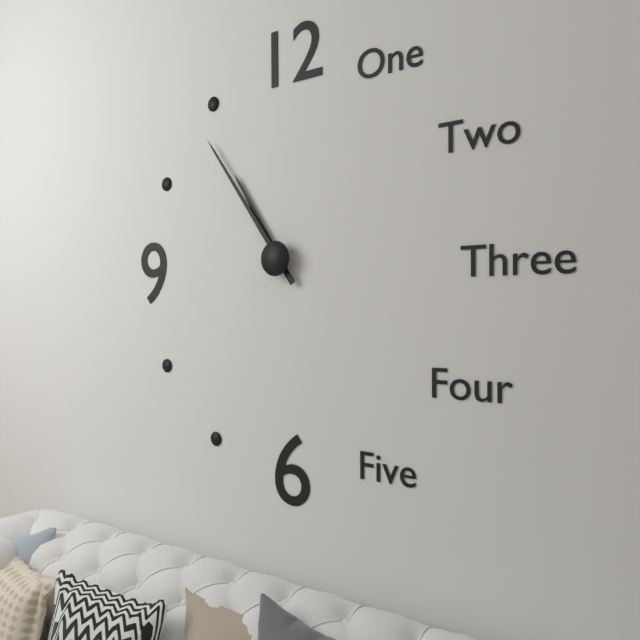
10:54
